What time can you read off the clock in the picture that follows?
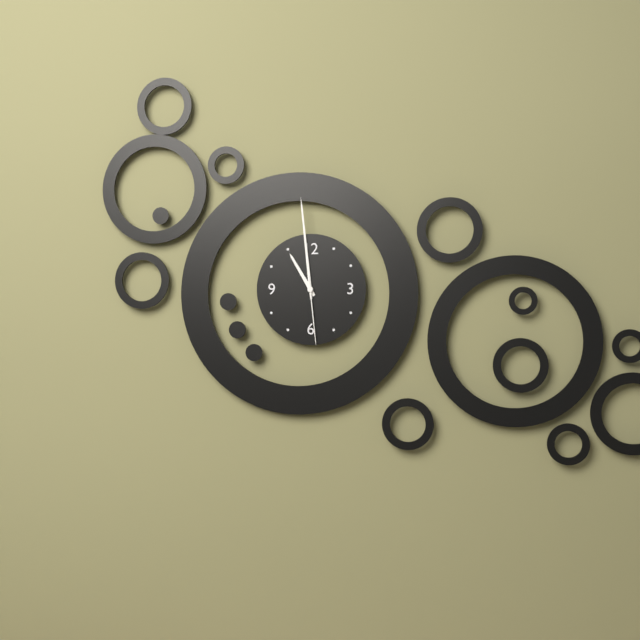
10:59:29
